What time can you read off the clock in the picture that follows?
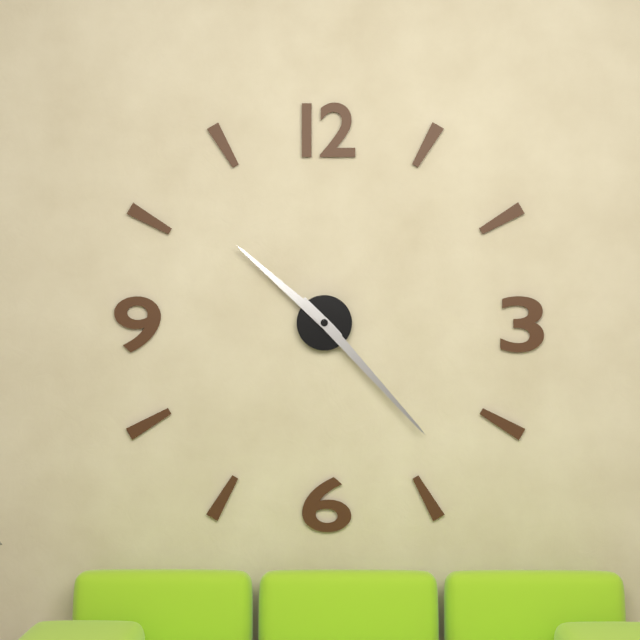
10:23
